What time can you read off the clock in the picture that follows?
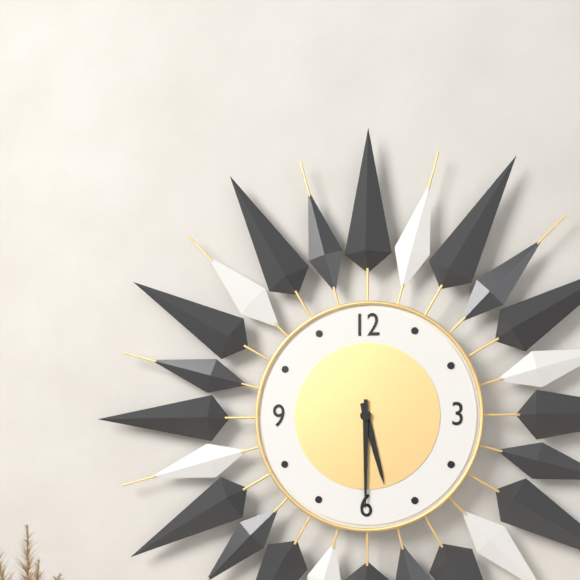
5:30
